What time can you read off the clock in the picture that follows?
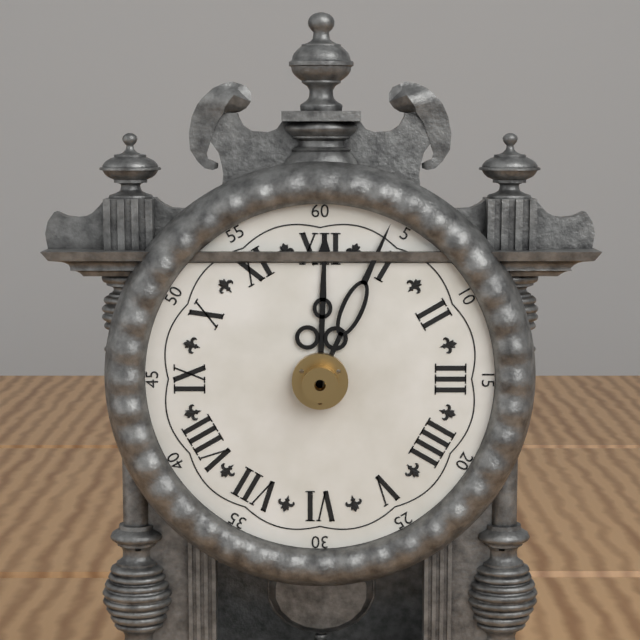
12:04
